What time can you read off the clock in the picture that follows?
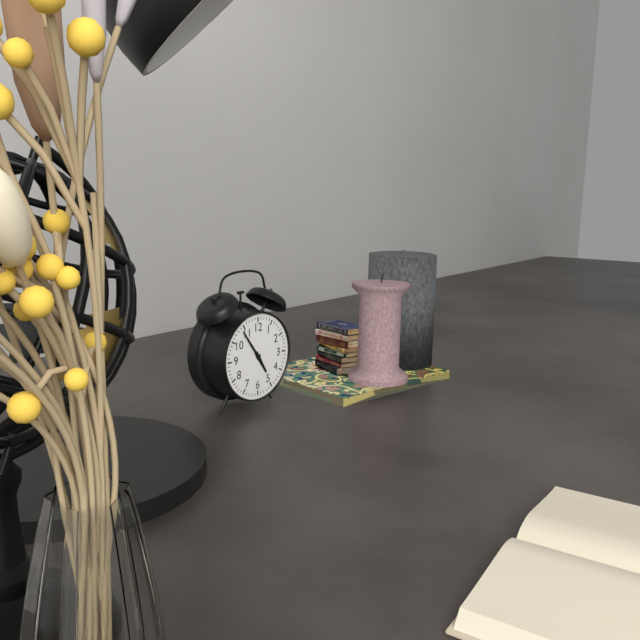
4:54
